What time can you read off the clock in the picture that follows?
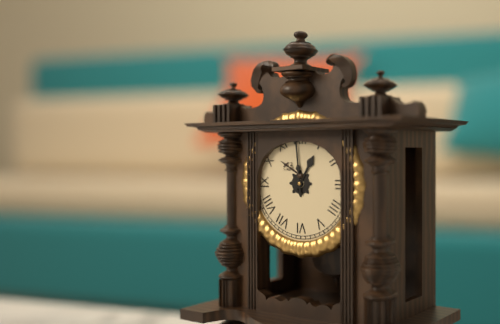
12:59
